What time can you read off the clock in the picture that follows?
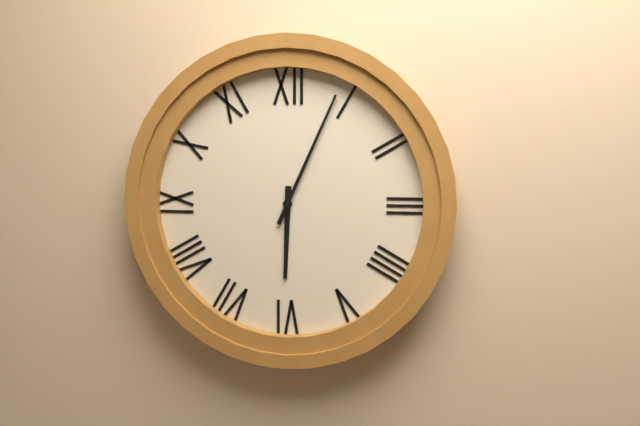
6:04
